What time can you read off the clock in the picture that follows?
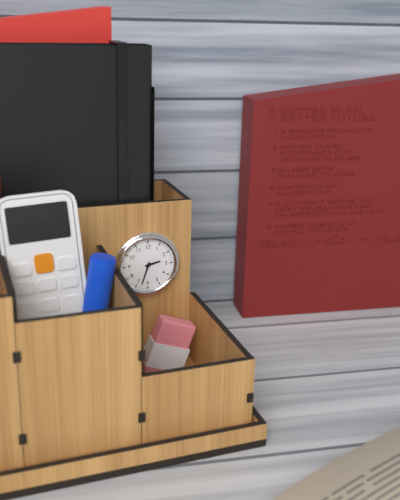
2:33
